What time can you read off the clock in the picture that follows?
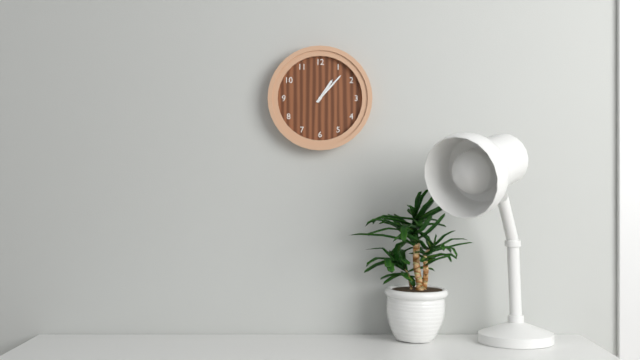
1:07
